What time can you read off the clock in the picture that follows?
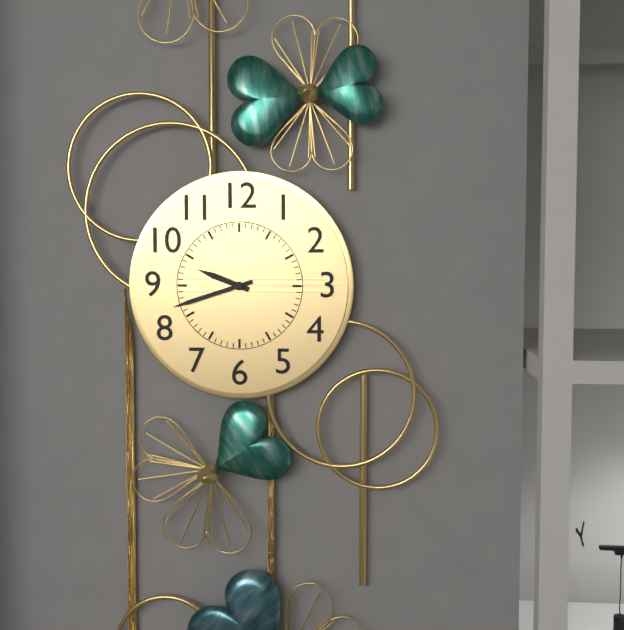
9:42
